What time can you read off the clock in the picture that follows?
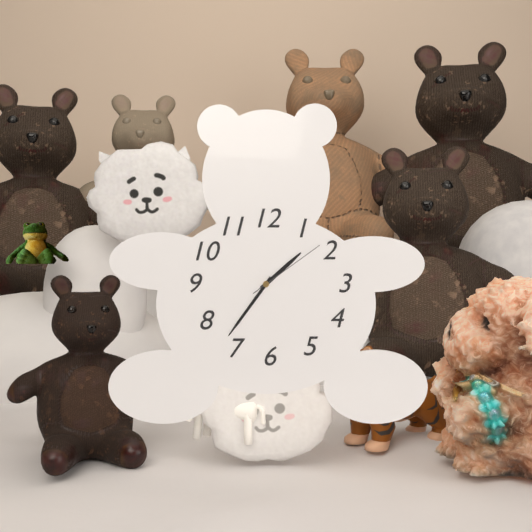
1:36:09
